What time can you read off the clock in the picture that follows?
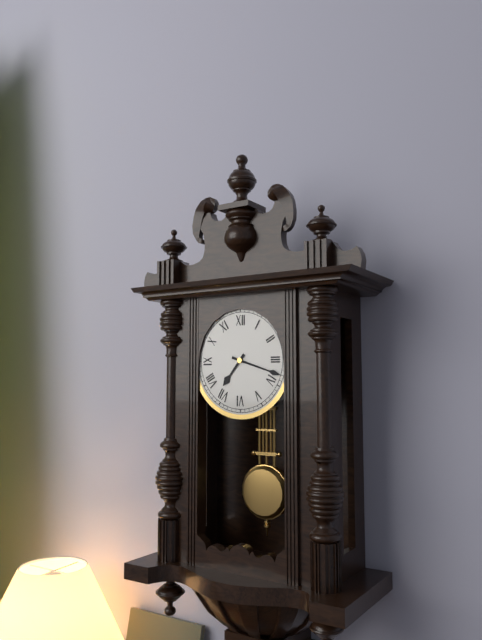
7:18
